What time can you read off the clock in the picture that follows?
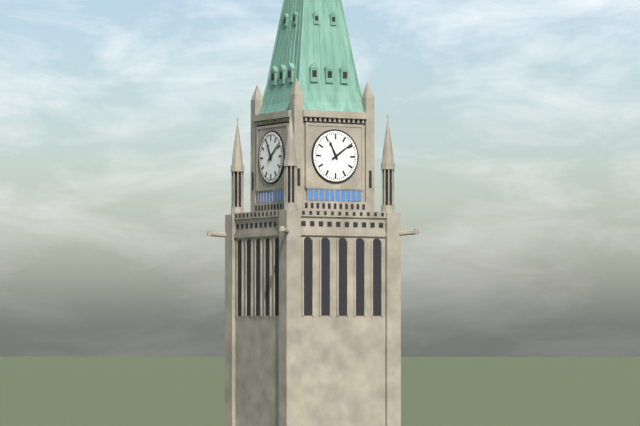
11:09
